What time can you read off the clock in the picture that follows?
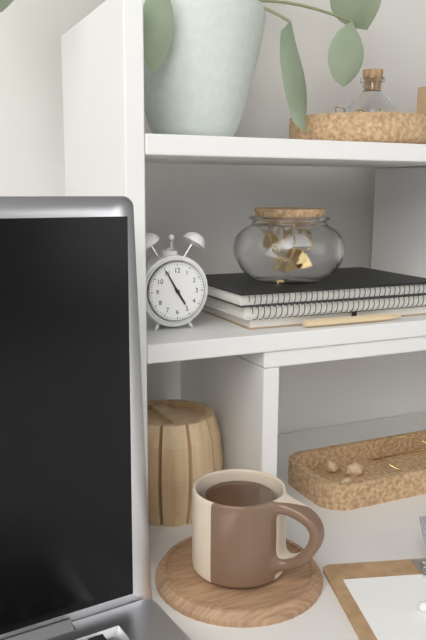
4:55
